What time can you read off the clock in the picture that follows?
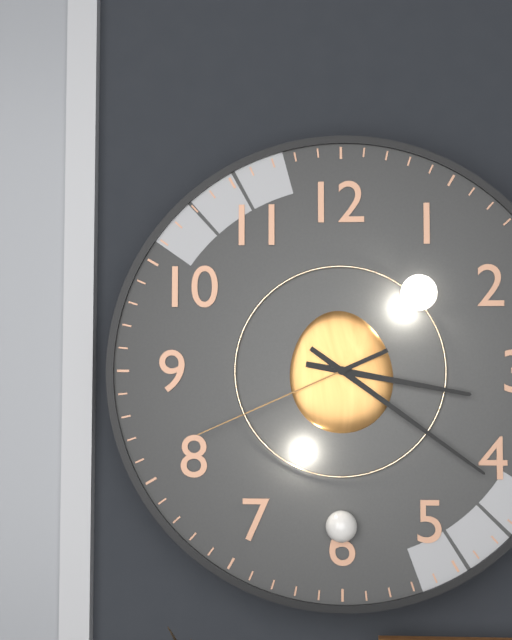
3:21:41
